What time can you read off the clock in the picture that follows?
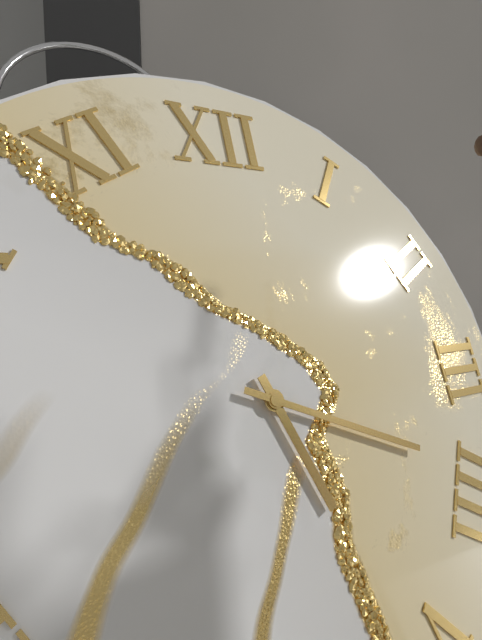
5:19
